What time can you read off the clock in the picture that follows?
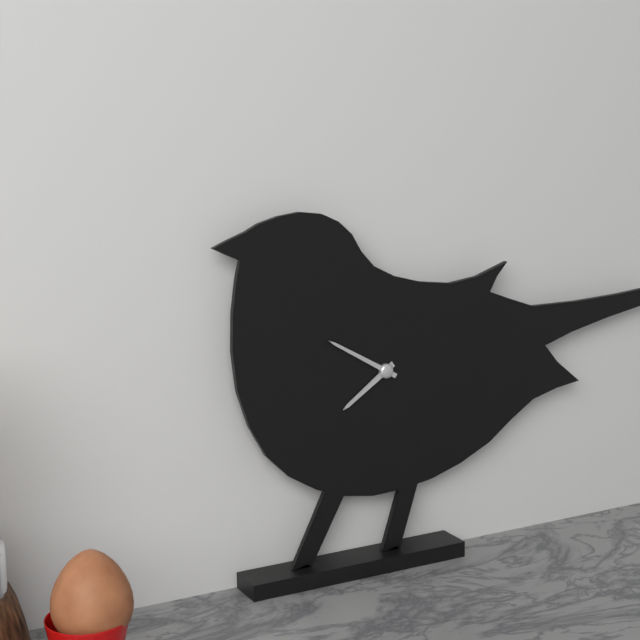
7:50
